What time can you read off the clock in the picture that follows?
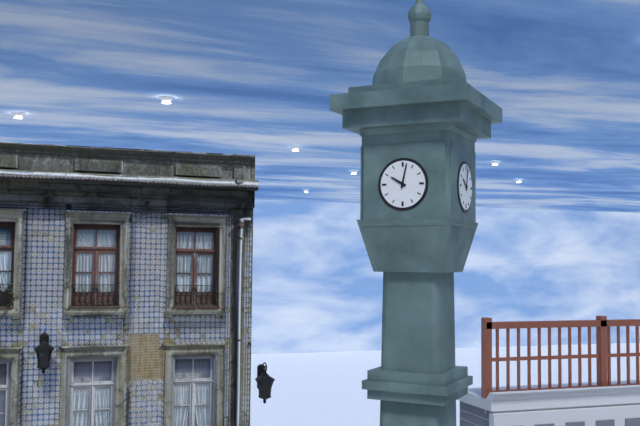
10:02
